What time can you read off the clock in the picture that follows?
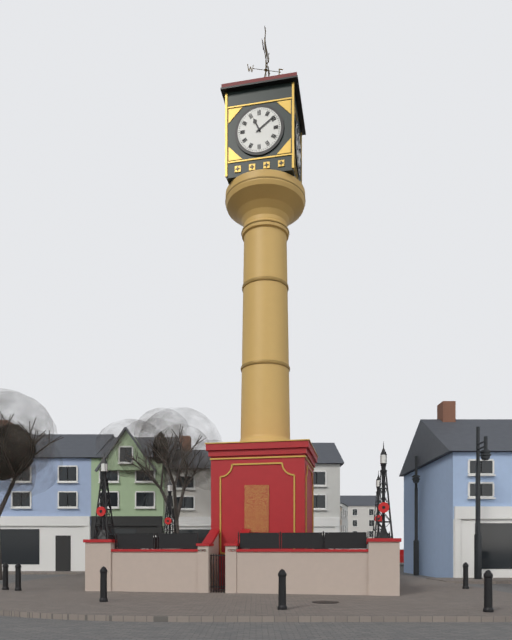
11:09
